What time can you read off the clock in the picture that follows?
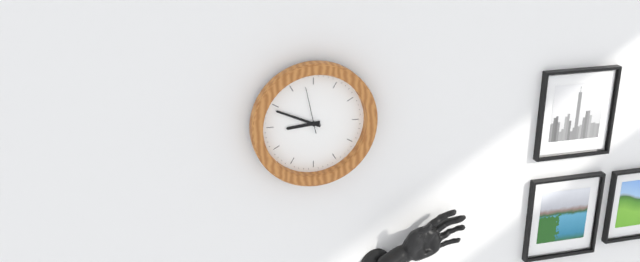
8:49
